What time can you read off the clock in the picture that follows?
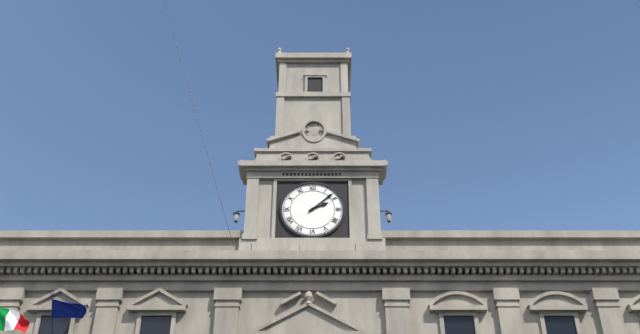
2:08
